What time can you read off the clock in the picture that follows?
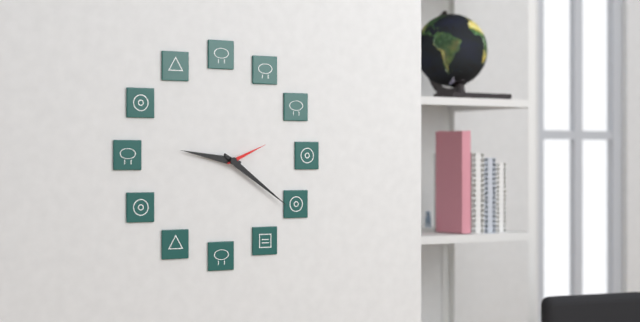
9:21
